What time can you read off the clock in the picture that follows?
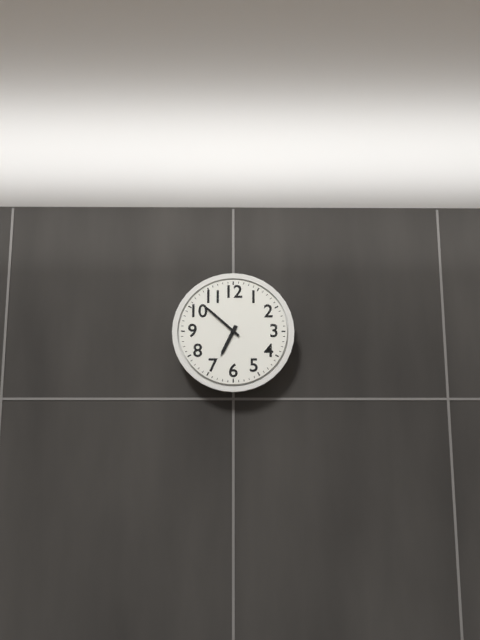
6:52
